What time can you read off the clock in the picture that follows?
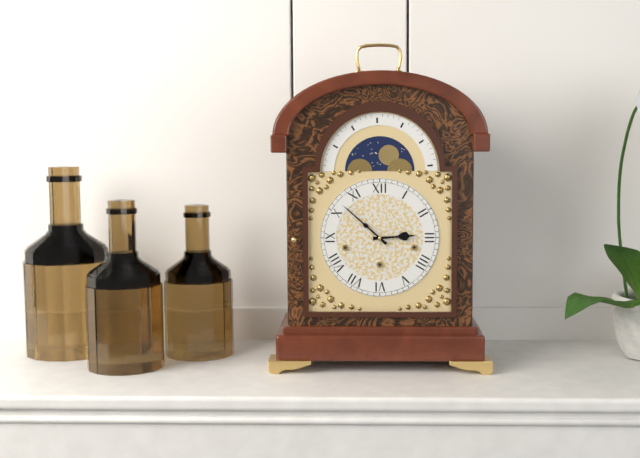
2:52
